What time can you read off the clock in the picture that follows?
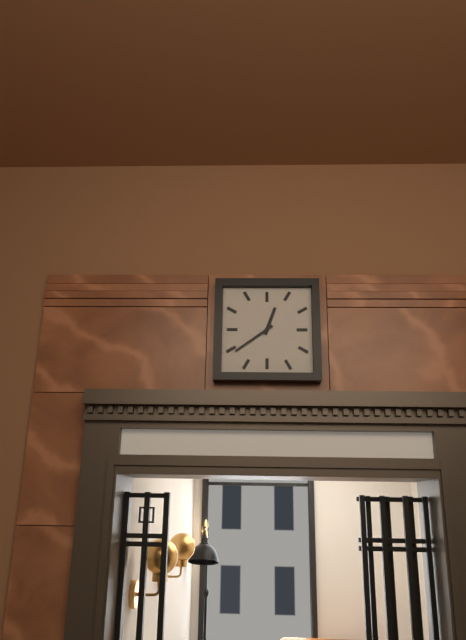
12:39
